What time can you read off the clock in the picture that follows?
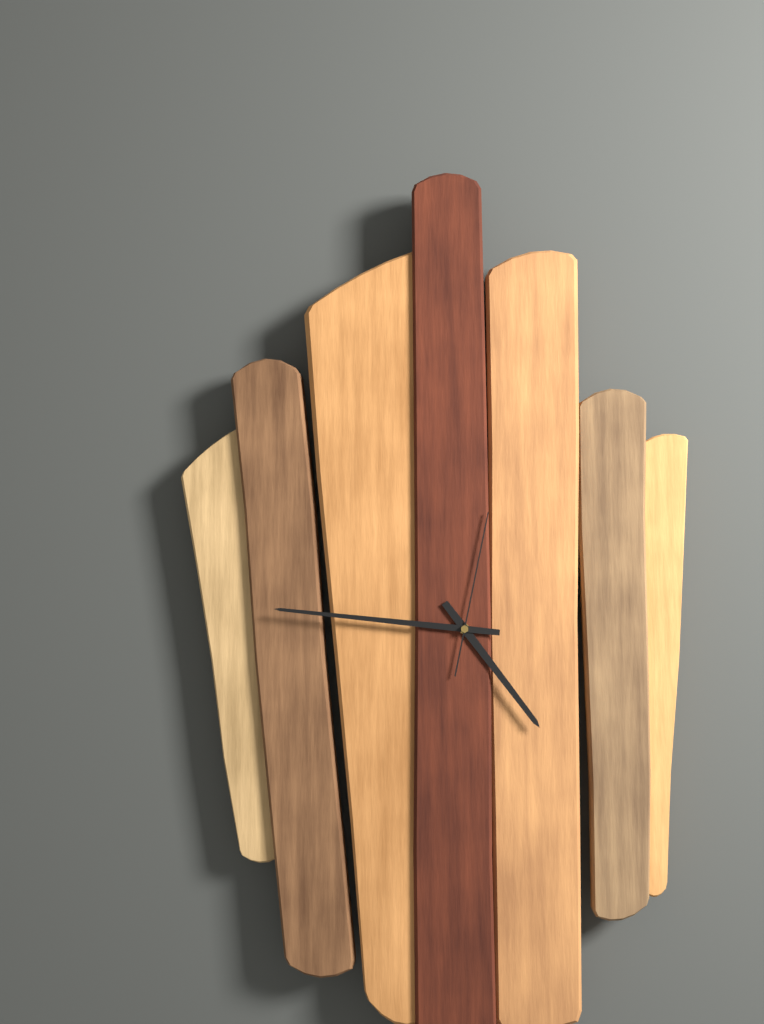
4:46:02
